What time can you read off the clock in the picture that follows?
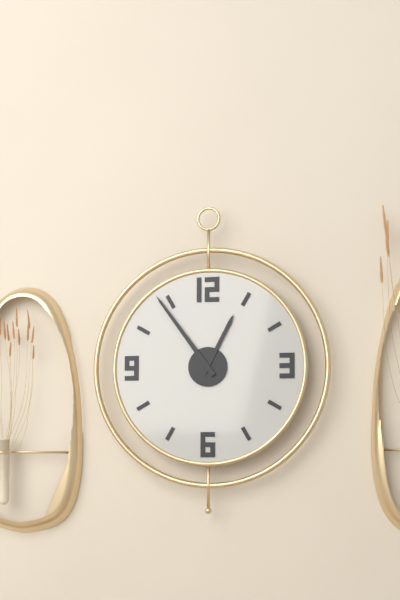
12:54
